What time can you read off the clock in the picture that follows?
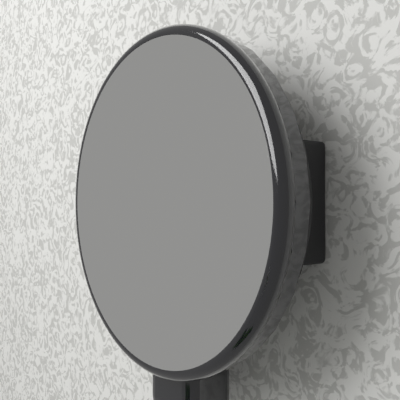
6:21
